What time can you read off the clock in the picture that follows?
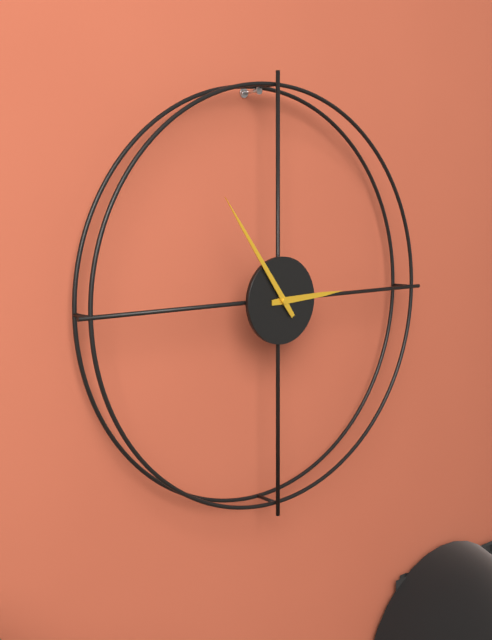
2:54
